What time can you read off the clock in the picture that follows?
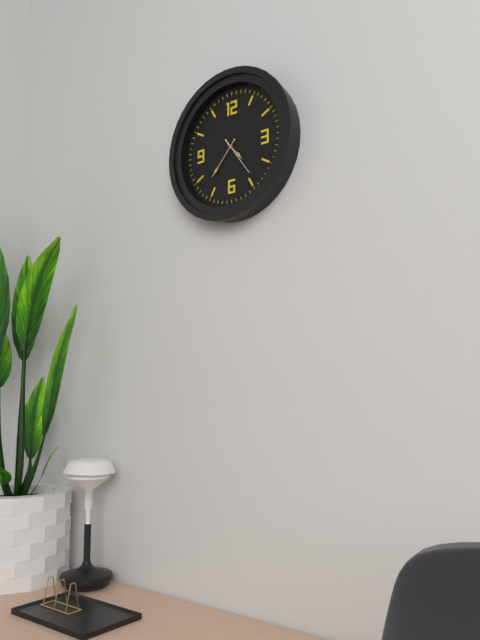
4:37
